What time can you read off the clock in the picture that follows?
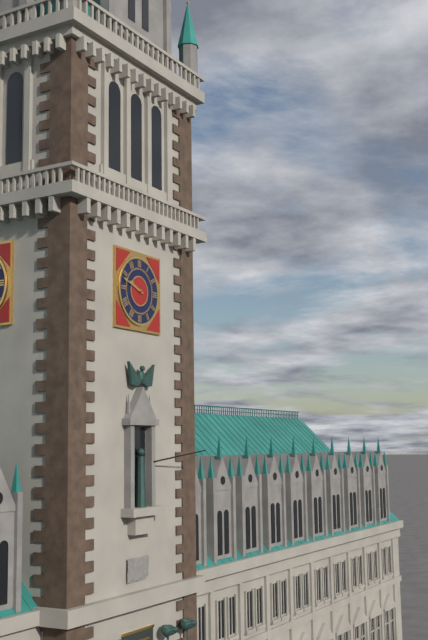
9:48
